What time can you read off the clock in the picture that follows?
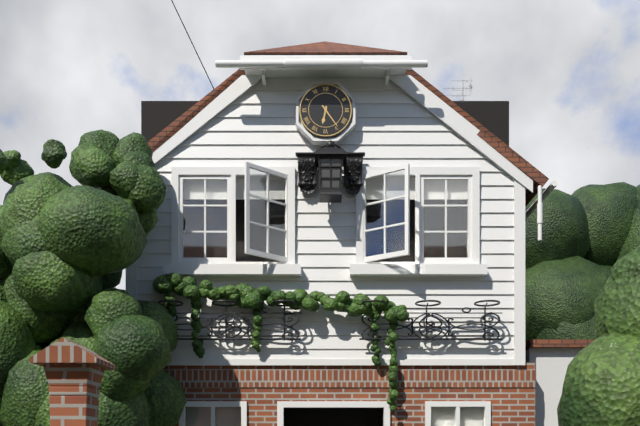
6:24
